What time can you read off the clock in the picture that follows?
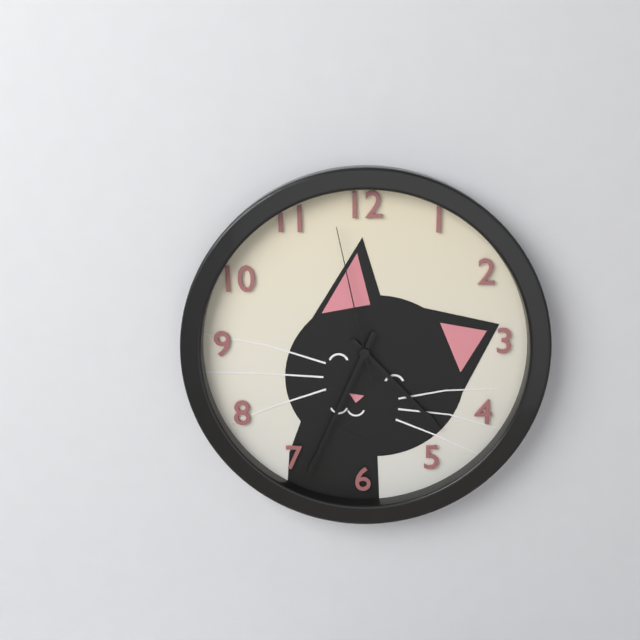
4:34:58
